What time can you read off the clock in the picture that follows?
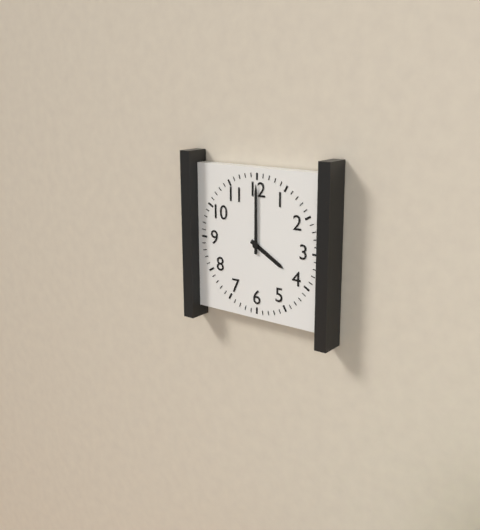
4:00
